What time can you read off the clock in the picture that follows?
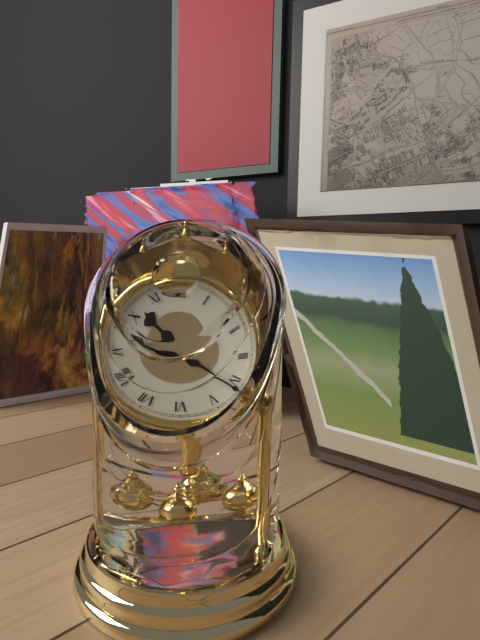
10:21
